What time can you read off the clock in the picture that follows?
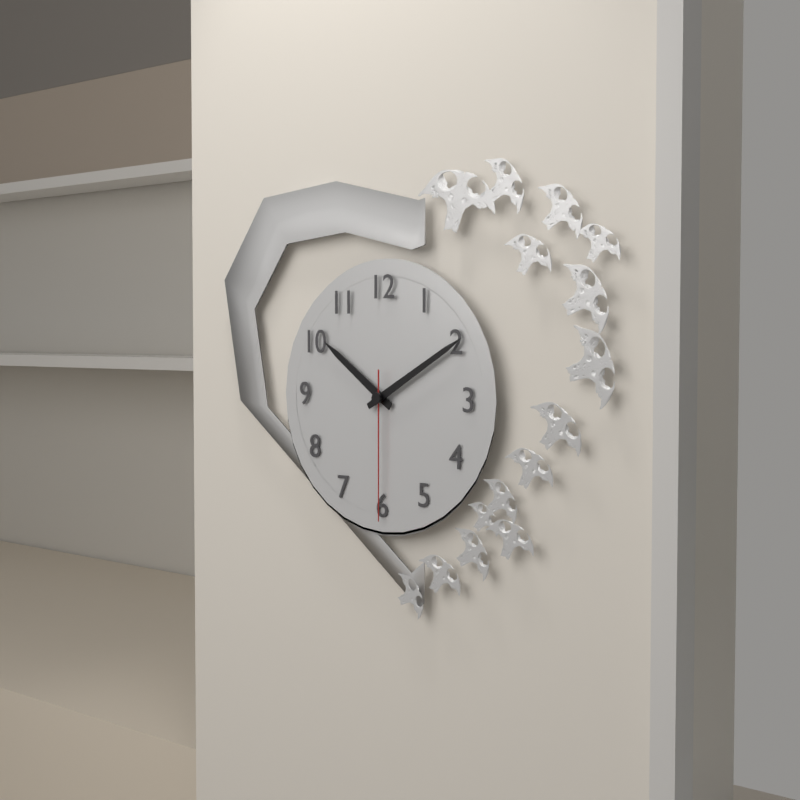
10:10:30
